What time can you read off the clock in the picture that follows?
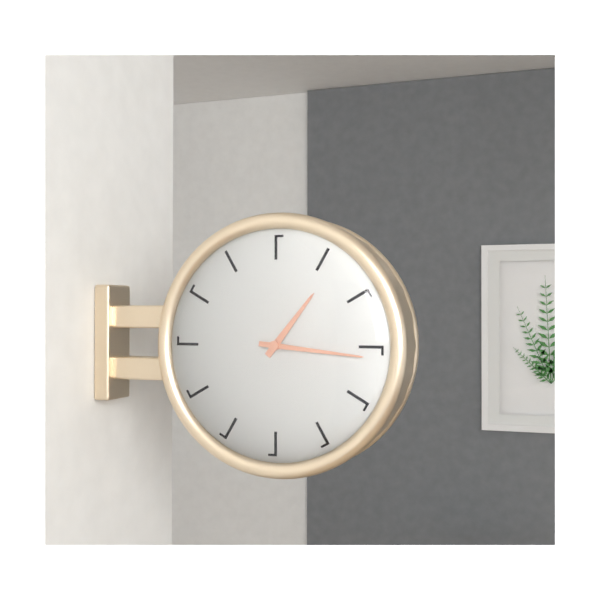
1:16
